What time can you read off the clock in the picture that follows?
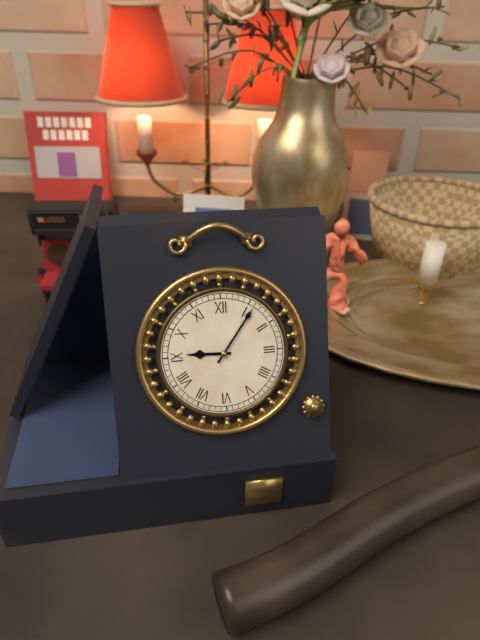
9:06
